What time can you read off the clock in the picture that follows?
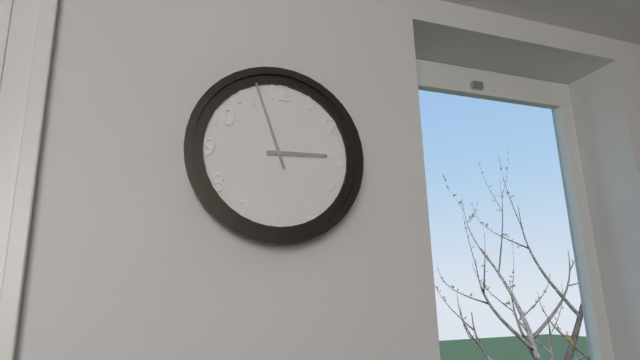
2:57
